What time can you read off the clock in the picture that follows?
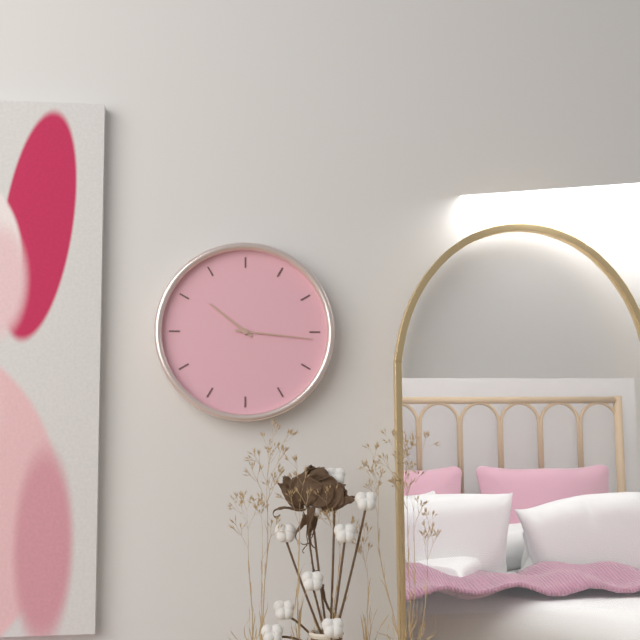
10:16
